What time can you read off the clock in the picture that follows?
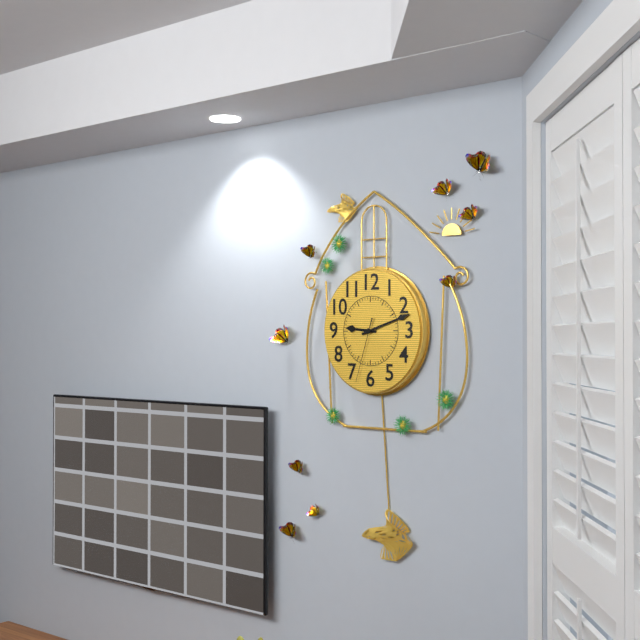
9:12:33
